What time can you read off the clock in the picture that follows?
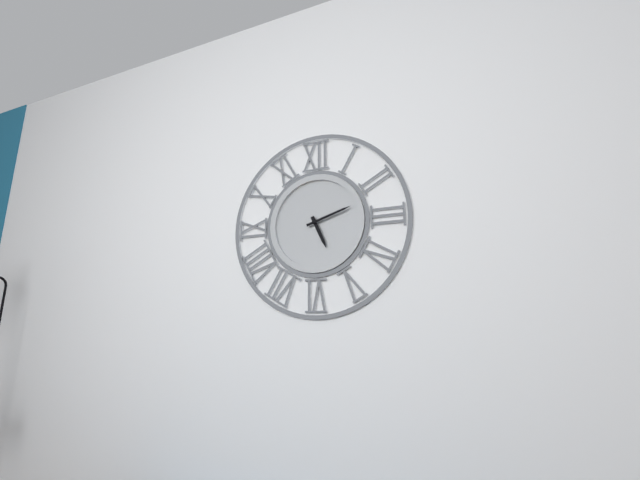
5:12
